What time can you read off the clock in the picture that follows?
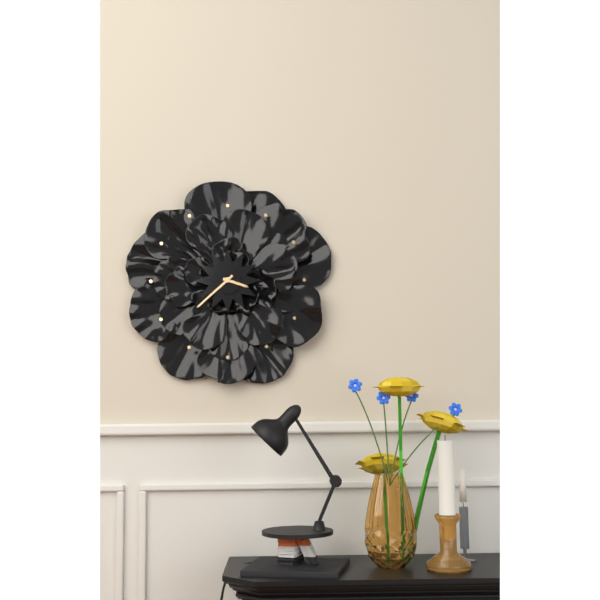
3:38
